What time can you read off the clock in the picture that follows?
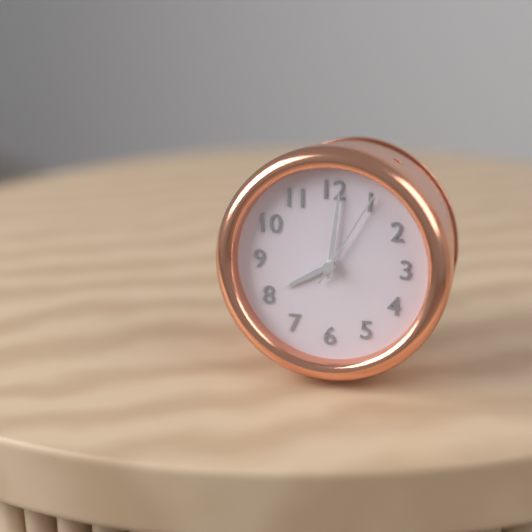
8:01:05
